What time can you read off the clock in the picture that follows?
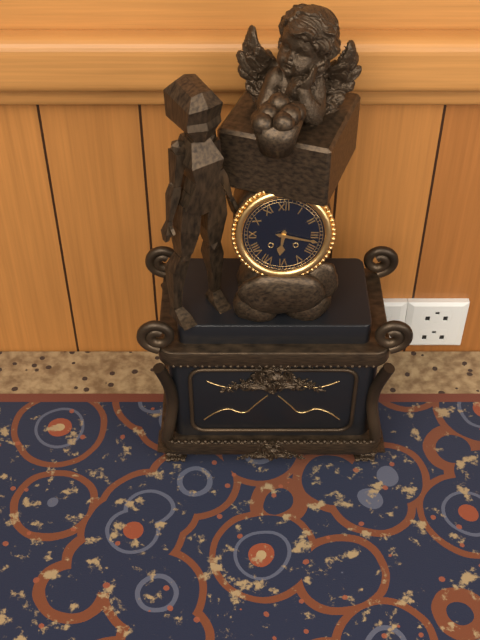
6:17
